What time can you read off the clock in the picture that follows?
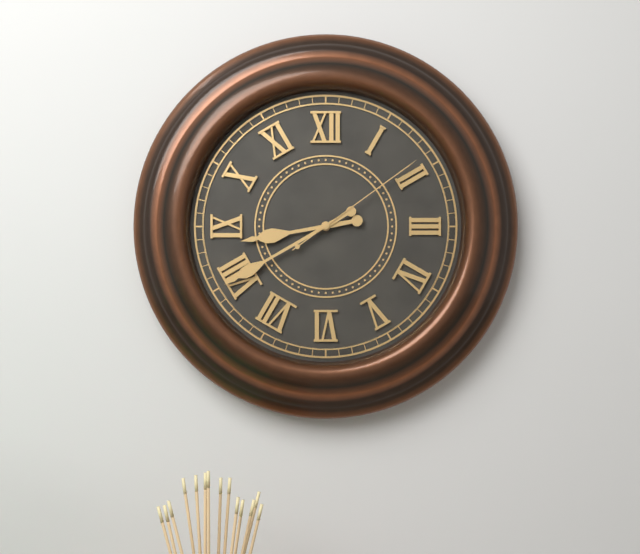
8:40:09
